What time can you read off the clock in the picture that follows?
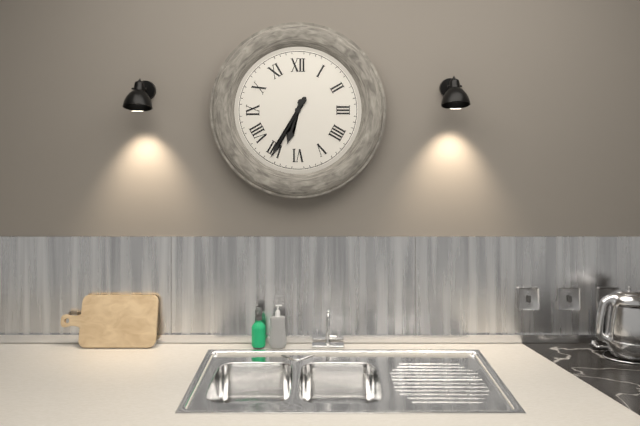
6:35
